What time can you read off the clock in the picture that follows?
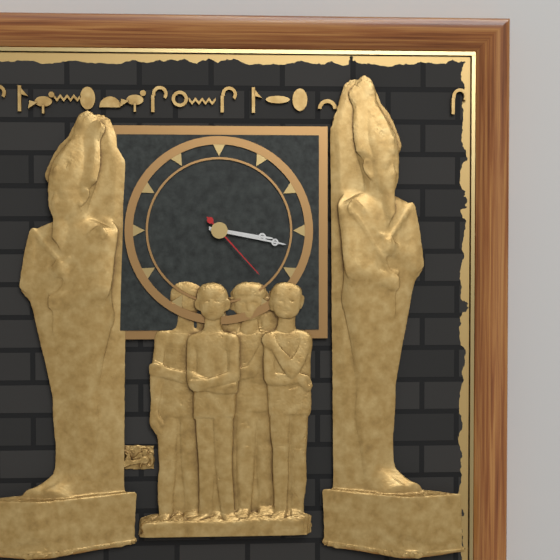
3:17:23
